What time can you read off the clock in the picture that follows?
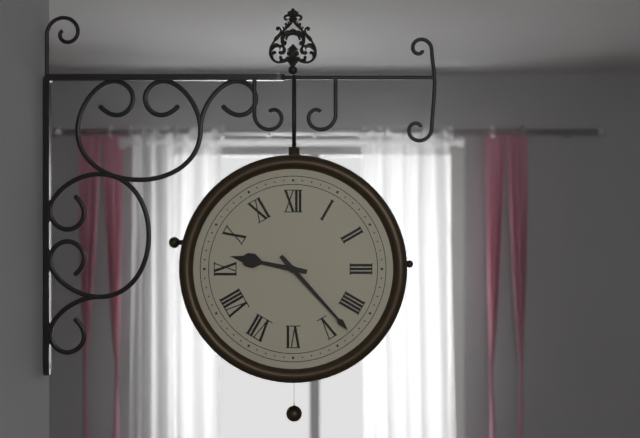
9:23
